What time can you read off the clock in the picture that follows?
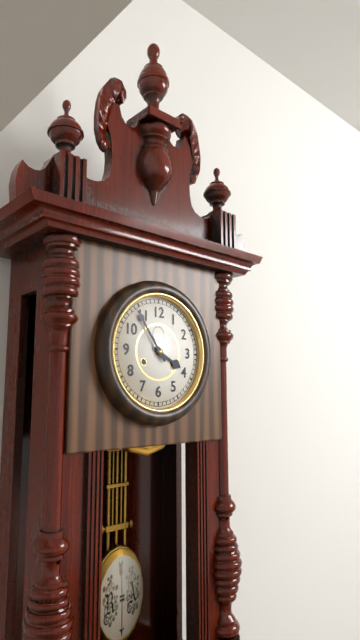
3:54
